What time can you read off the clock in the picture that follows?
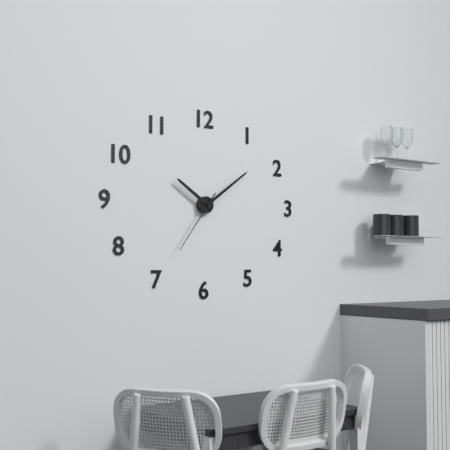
10:09:36
